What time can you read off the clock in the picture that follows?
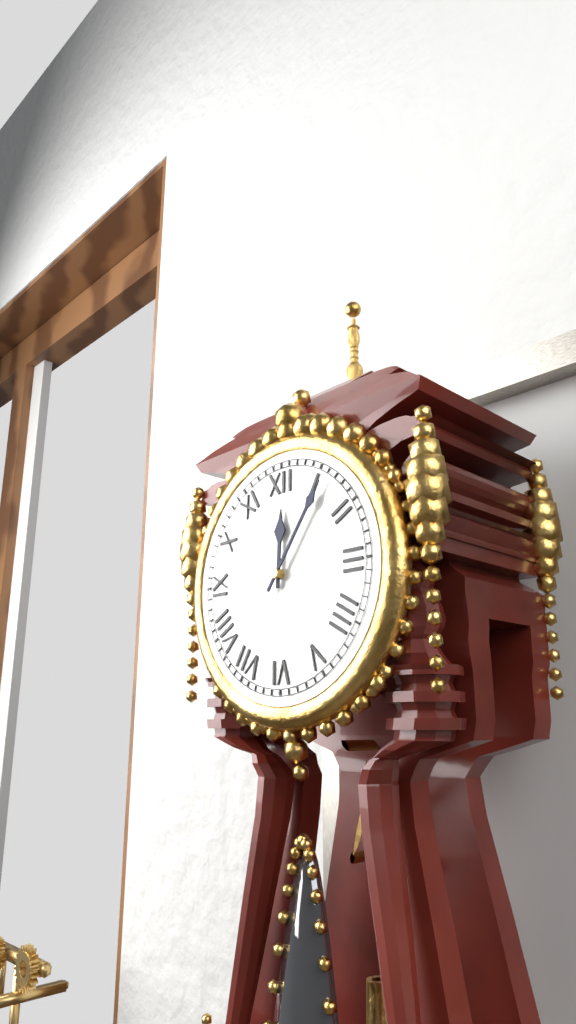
12:06
